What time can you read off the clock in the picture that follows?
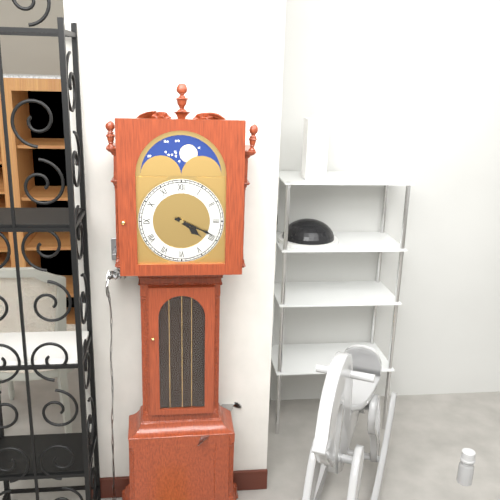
4:19
